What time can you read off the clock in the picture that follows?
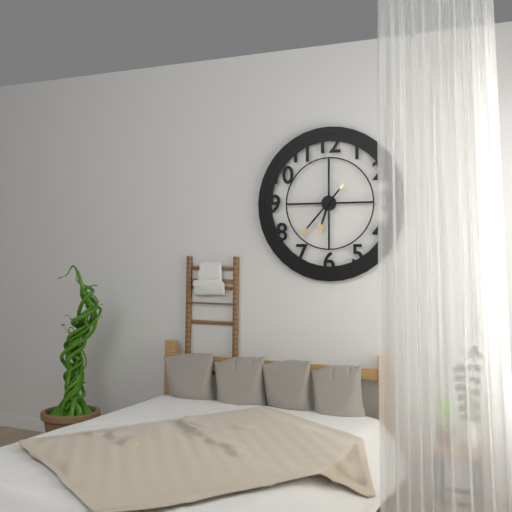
6:37
